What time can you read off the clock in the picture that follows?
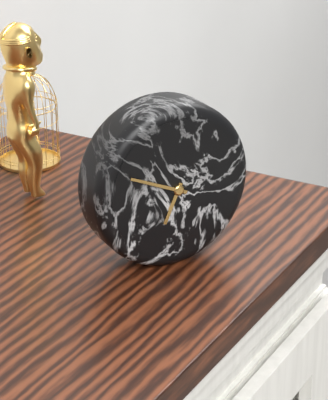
6:49
